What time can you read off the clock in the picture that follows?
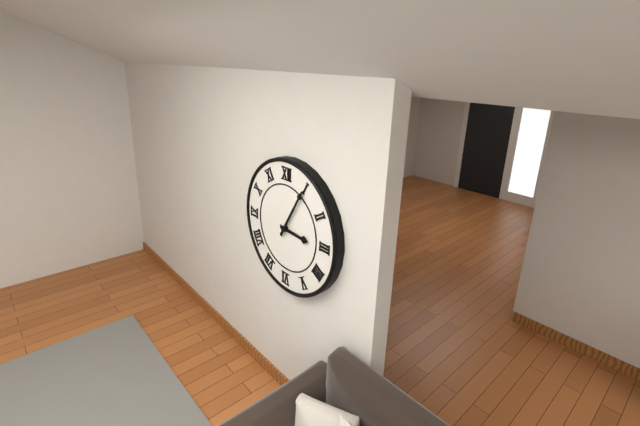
3:05
